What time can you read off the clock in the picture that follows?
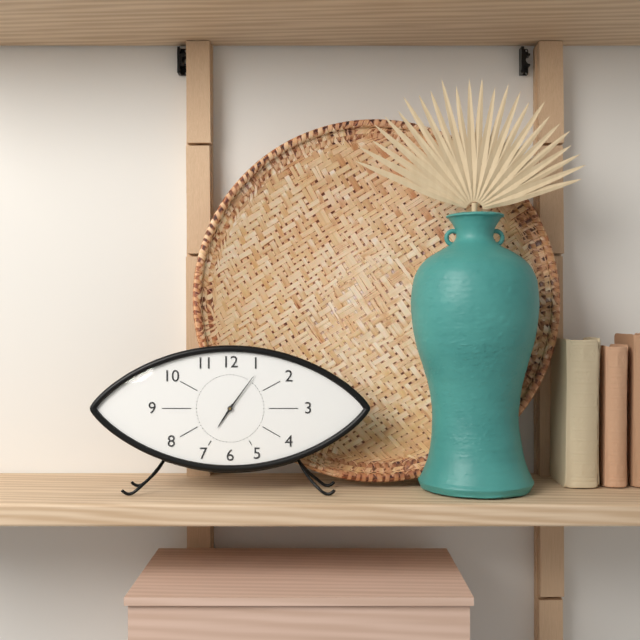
7:06
